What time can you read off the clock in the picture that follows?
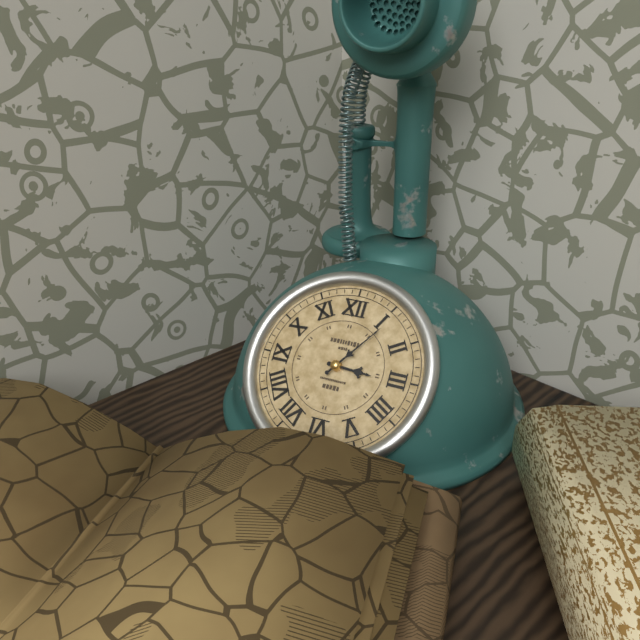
3:06
